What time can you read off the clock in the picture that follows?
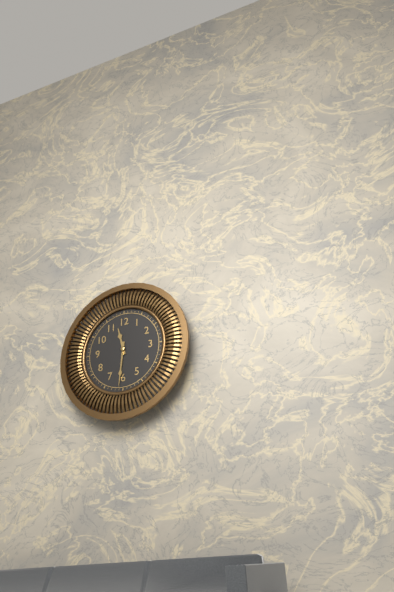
11:31
